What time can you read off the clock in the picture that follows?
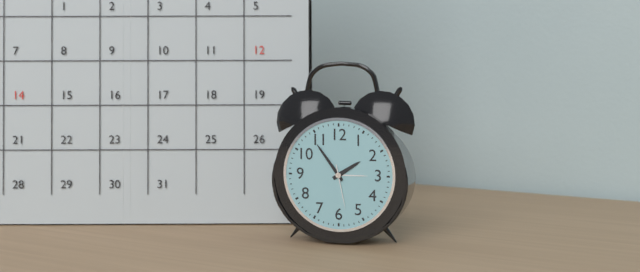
1:54
